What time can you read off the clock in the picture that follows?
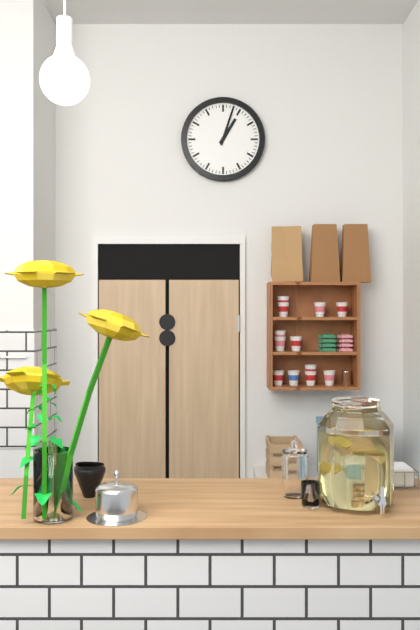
1:03
